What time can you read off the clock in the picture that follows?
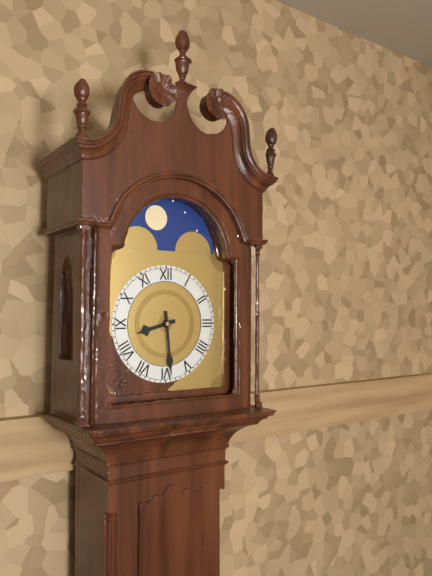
8:29
